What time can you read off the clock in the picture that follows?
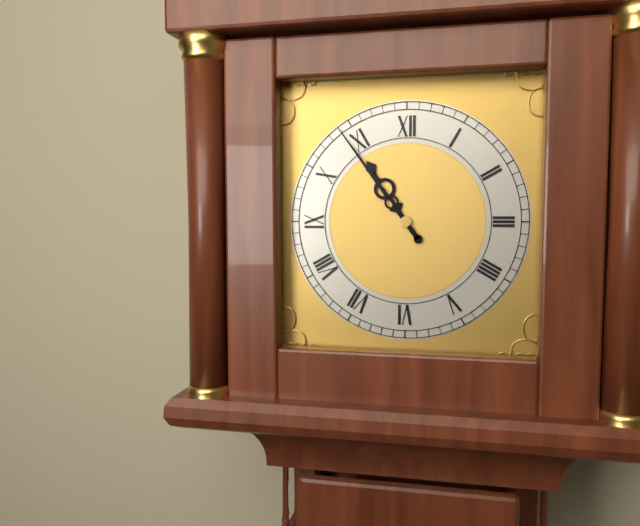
10:54
